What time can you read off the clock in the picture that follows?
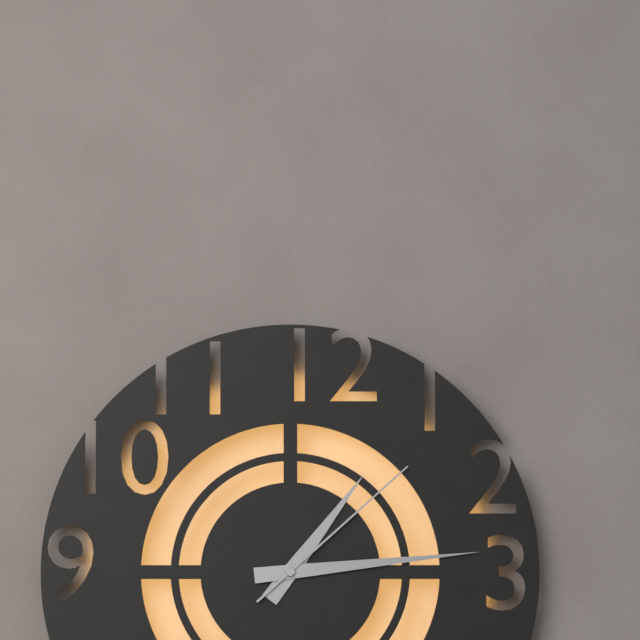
1:14:08
